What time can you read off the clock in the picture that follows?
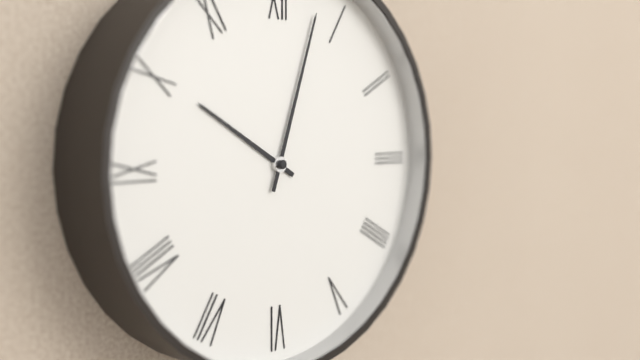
10:03
